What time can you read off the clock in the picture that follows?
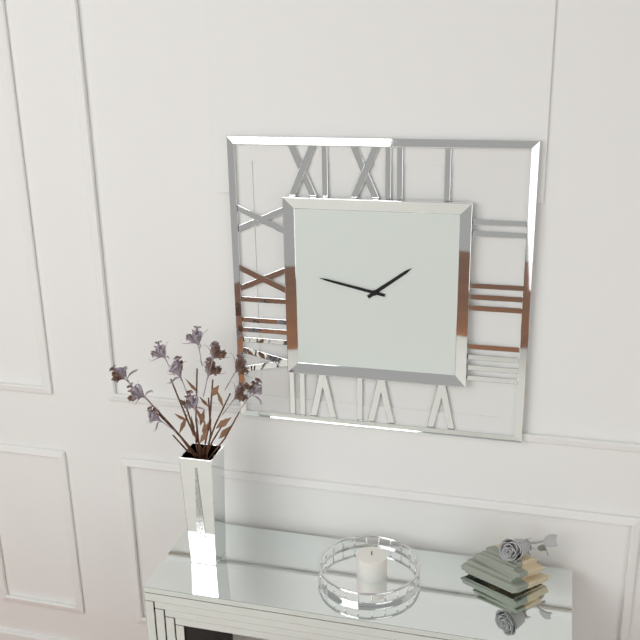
1:47
